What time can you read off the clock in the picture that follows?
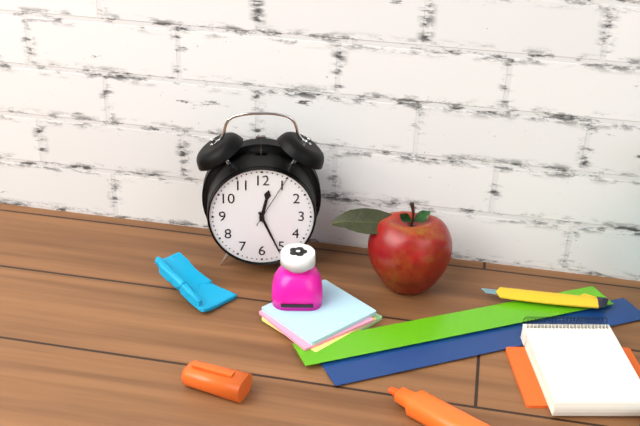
12:26:05
